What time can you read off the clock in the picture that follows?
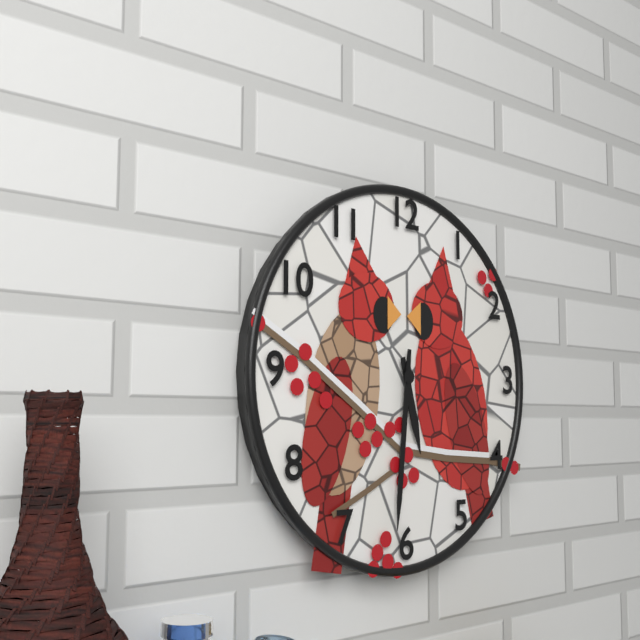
5:31
